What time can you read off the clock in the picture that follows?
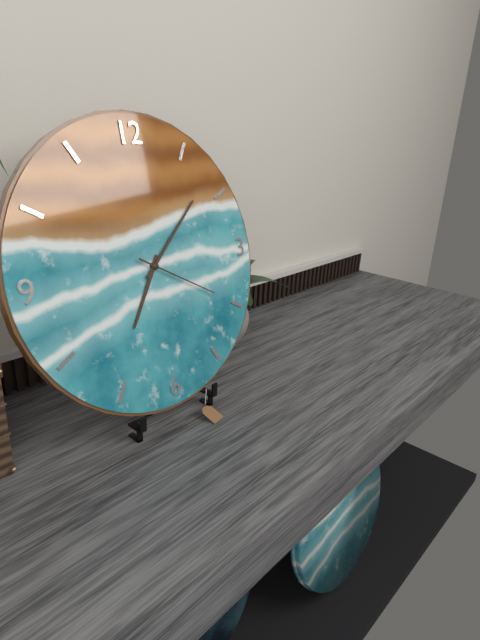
7:08:20
